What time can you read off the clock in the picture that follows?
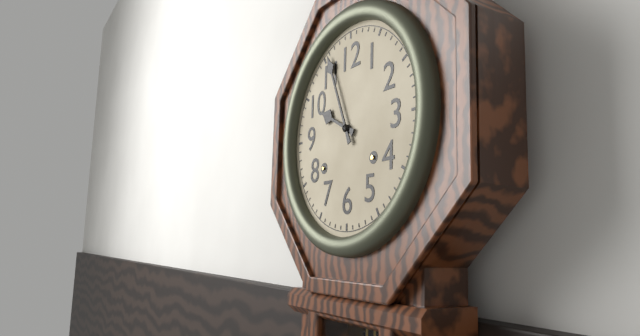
9:56
